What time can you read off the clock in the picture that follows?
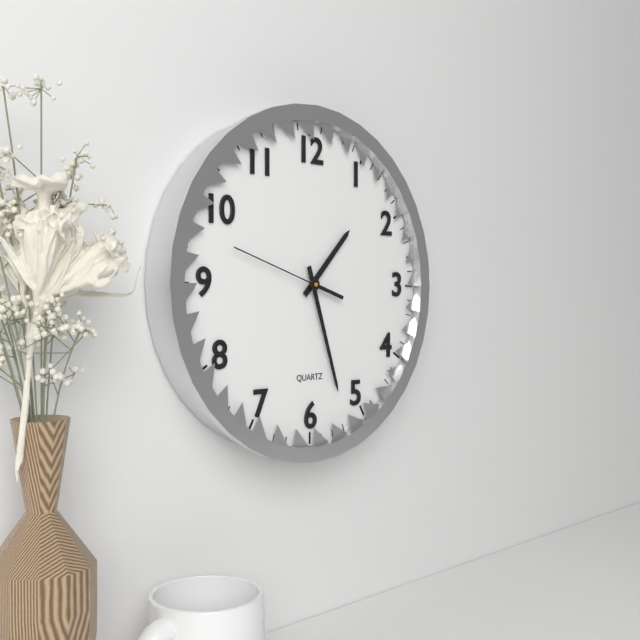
1:27:48
